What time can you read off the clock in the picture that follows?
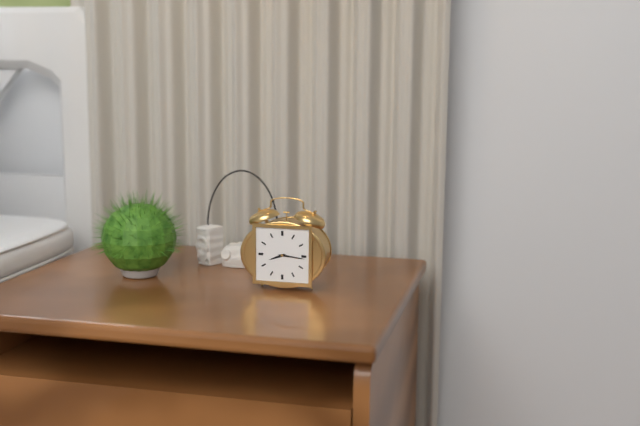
8:16
